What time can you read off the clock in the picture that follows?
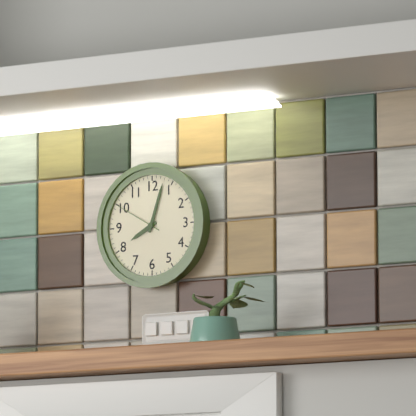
8:03
